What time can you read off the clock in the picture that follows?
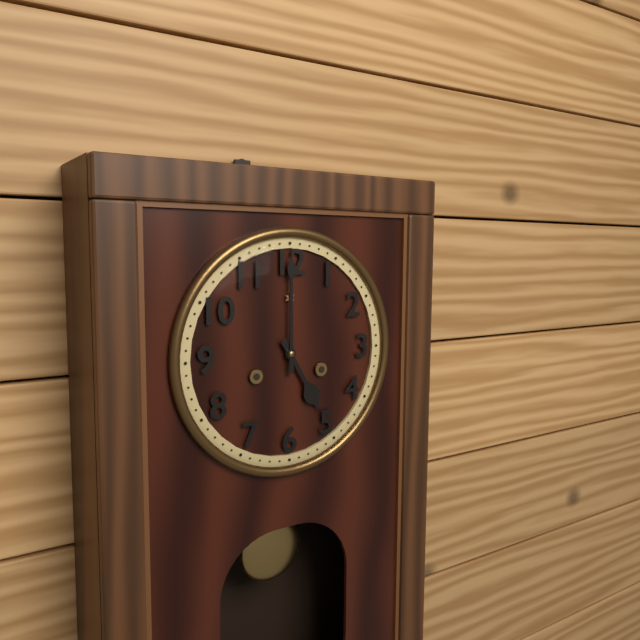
5:00
